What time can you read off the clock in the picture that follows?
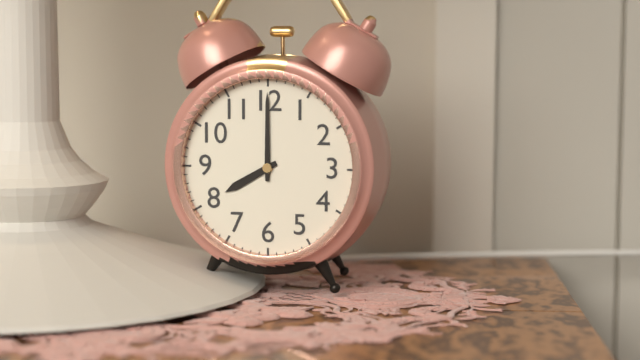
8:00
